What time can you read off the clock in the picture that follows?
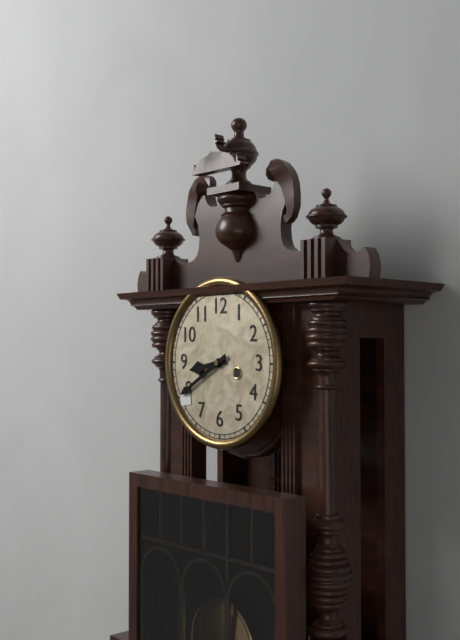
8:40
